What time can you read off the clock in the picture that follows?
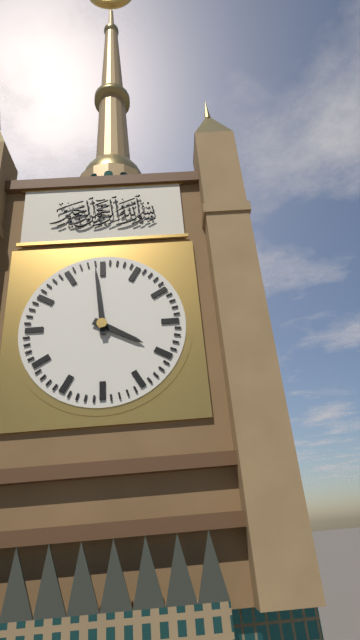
3:59
